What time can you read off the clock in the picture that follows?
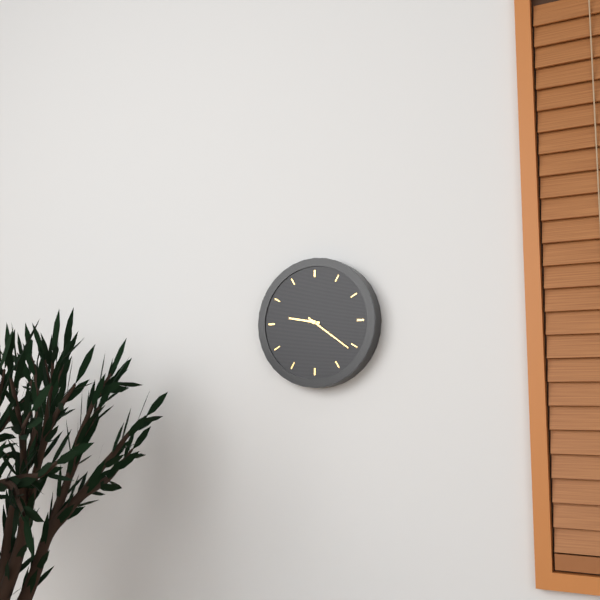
9:21
